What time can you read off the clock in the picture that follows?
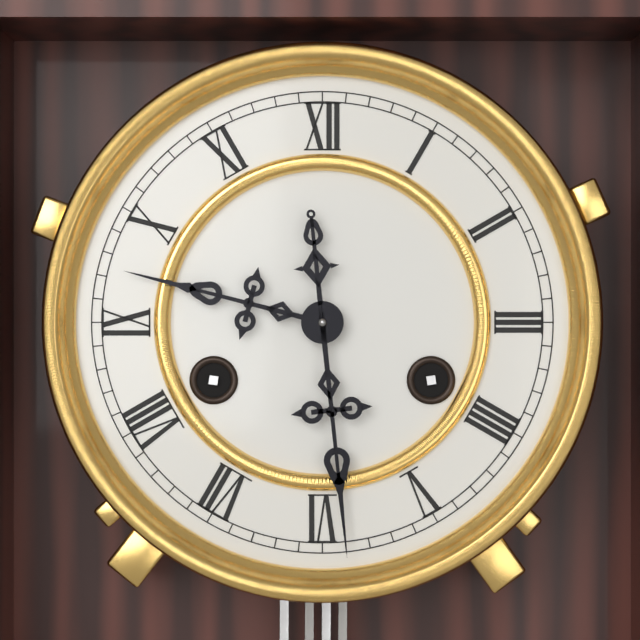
9:29
